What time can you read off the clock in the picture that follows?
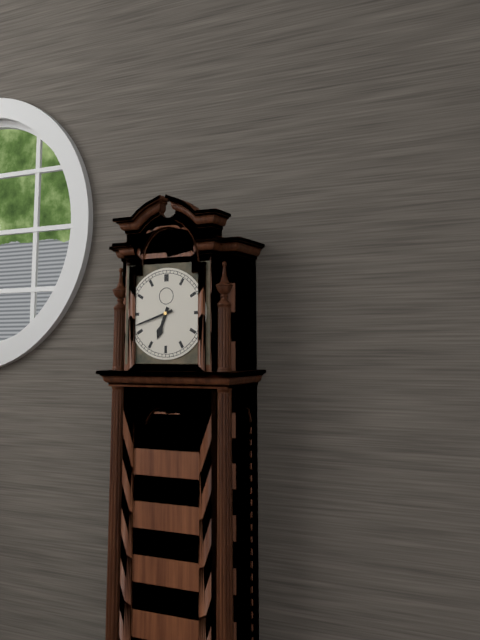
6:42
